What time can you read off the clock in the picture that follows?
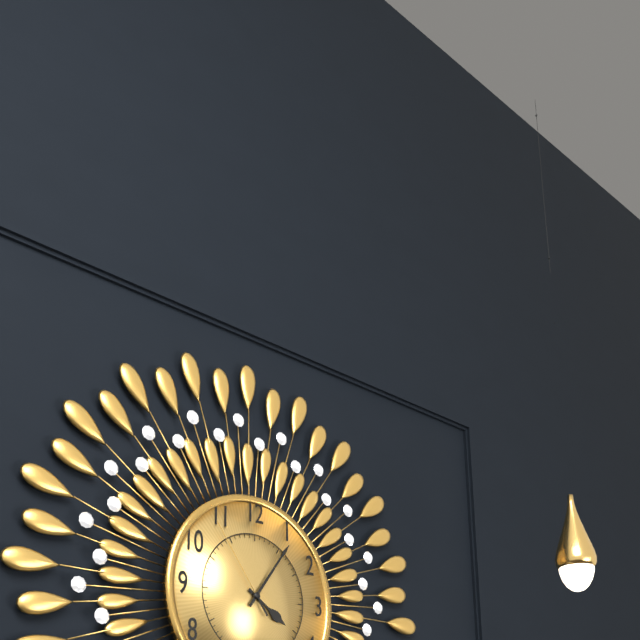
4:06:54
